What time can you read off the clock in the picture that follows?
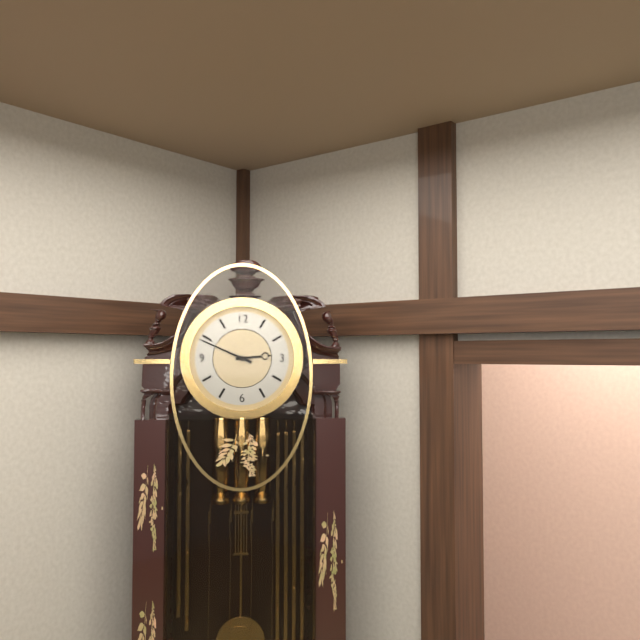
2:49
